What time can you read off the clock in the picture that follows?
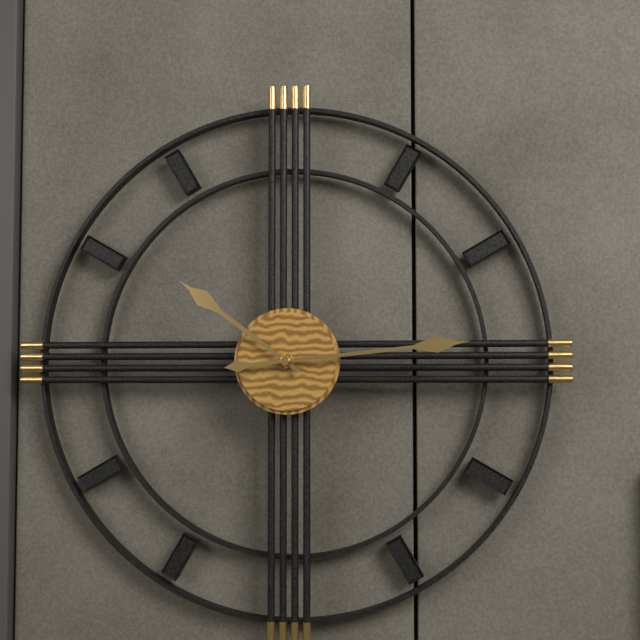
10:14
